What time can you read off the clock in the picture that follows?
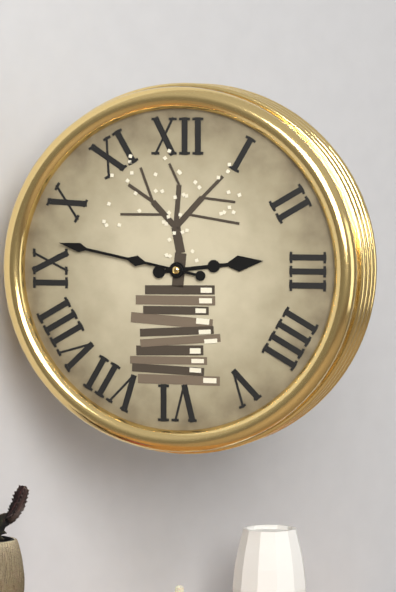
2:47
